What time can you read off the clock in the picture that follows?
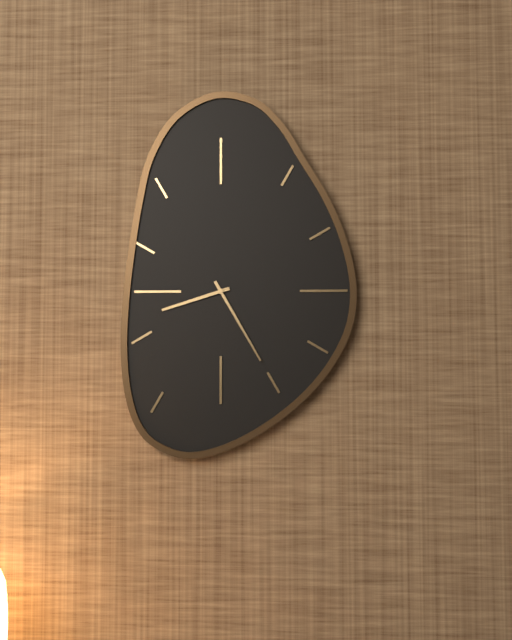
8:25
